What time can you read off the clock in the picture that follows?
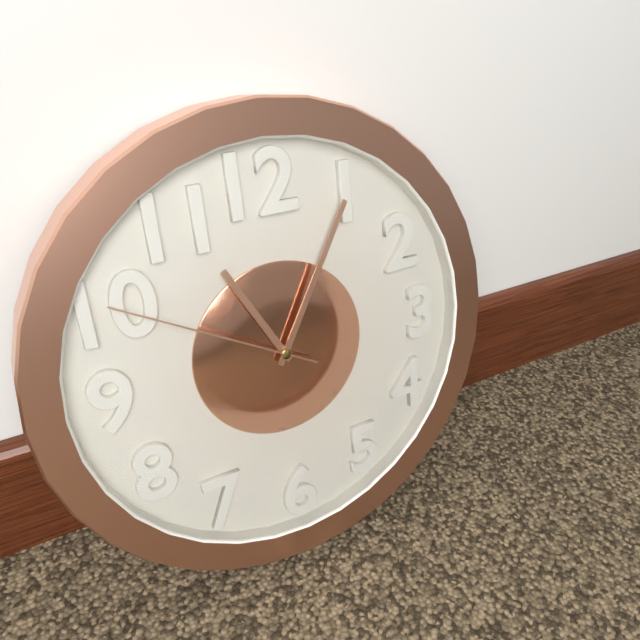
11:05:50
